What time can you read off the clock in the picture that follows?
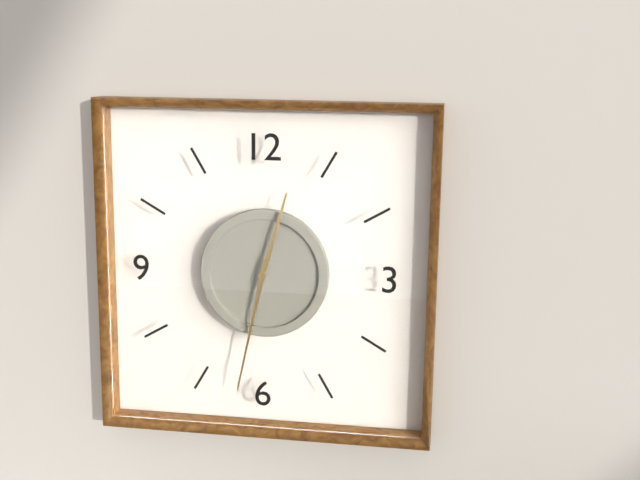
12:32
